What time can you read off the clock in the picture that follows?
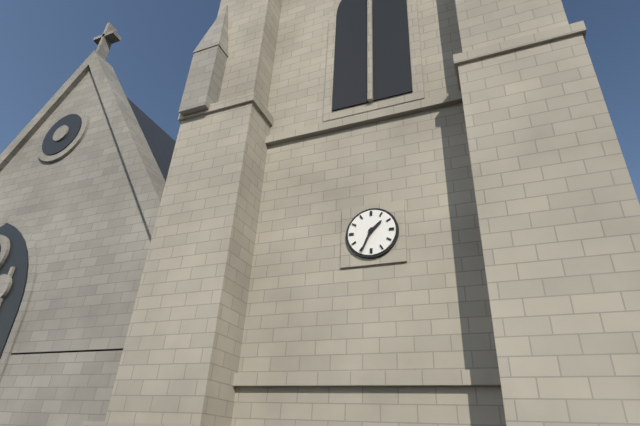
1:34
